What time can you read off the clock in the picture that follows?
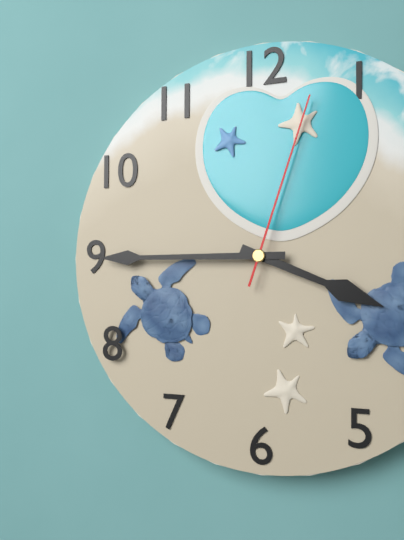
3:45:03
